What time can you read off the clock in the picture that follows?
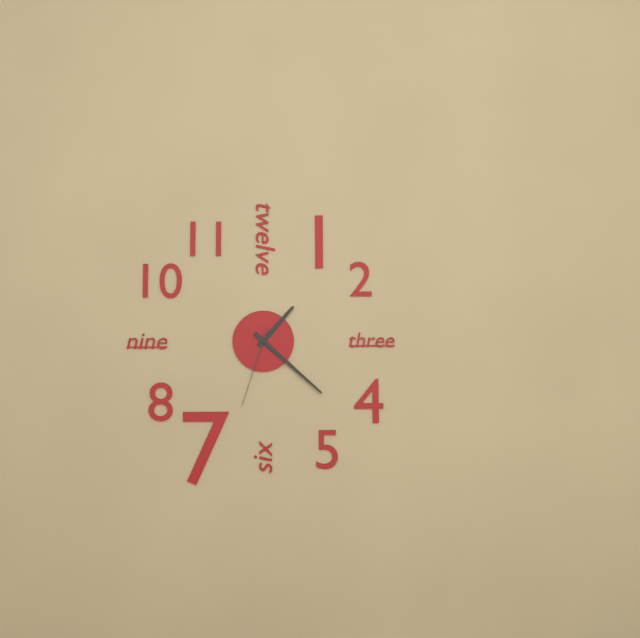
1:22:33
